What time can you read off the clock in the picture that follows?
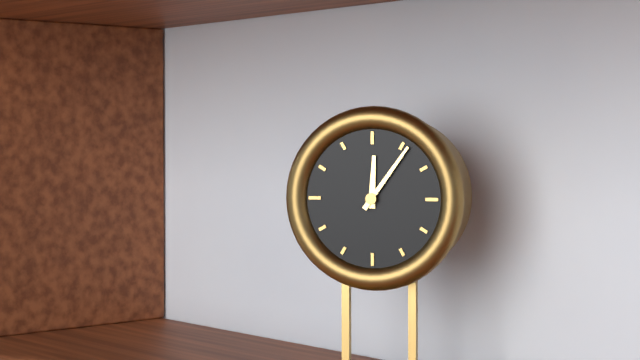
12:06
